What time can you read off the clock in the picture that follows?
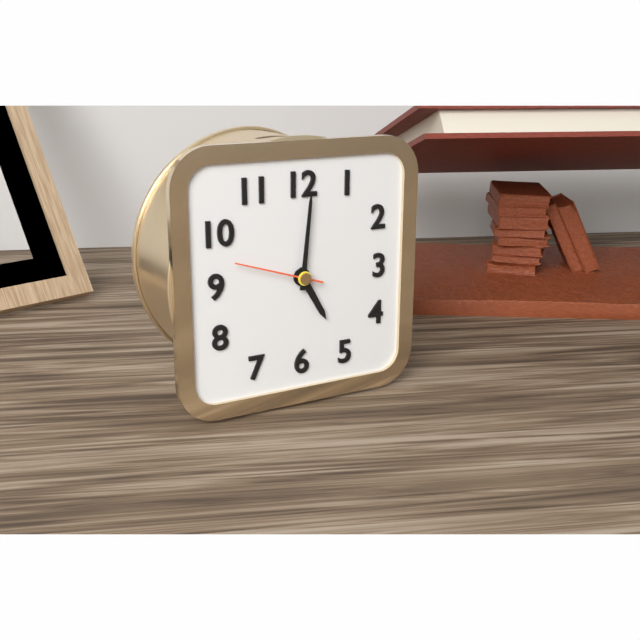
5:01:48
